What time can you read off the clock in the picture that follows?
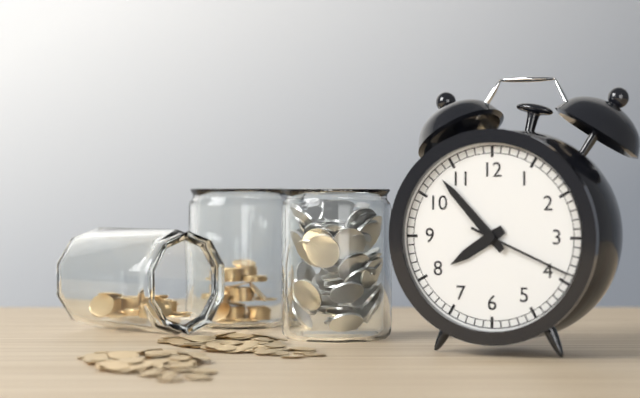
7:53:19
